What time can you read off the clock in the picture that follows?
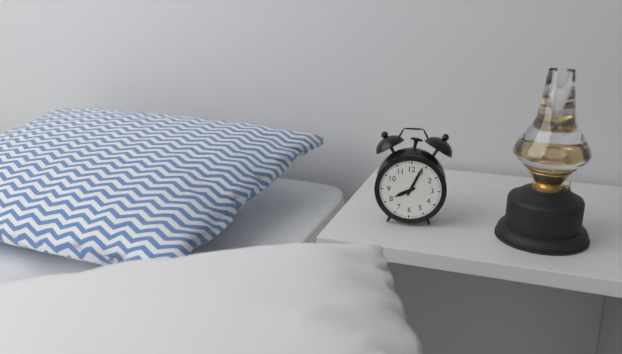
8:04
